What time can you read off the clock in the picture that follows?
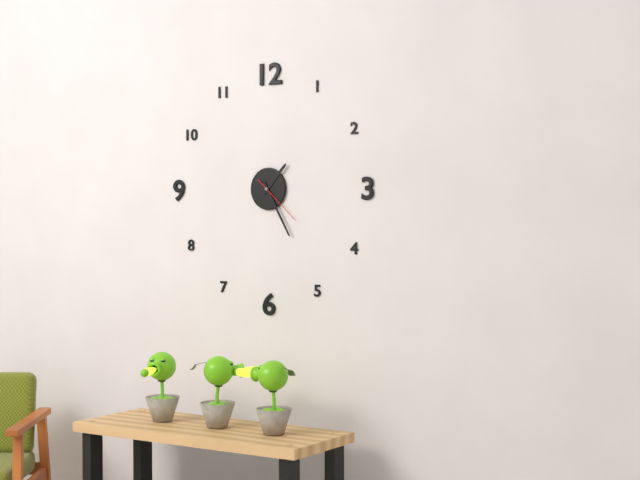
1:25:22
